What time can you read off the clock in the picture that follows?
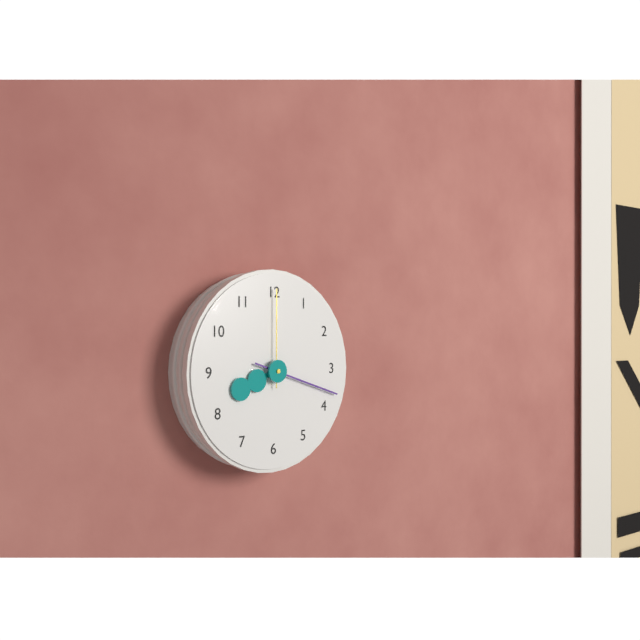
8:18:00
